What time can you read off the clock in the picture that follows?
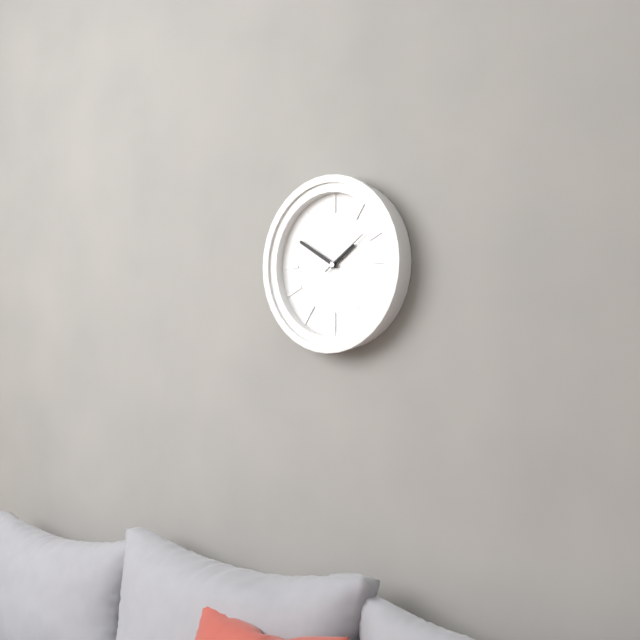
1:50:09
